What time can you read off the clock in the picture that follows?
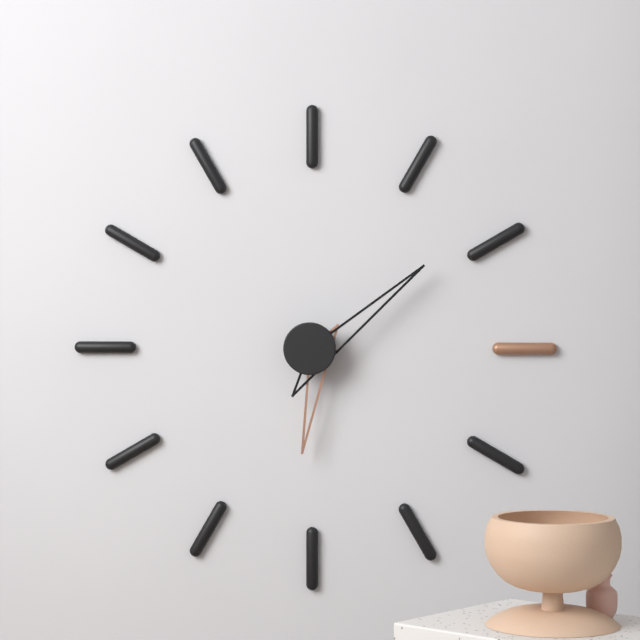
6:09
